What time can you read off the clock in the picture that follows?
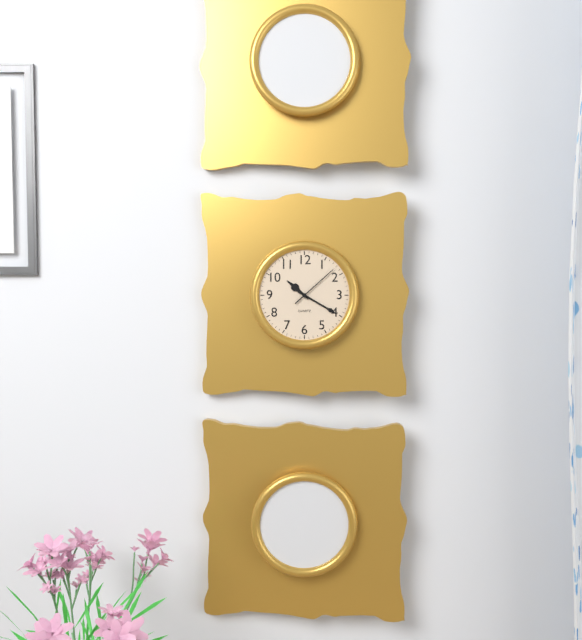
10:20:08
